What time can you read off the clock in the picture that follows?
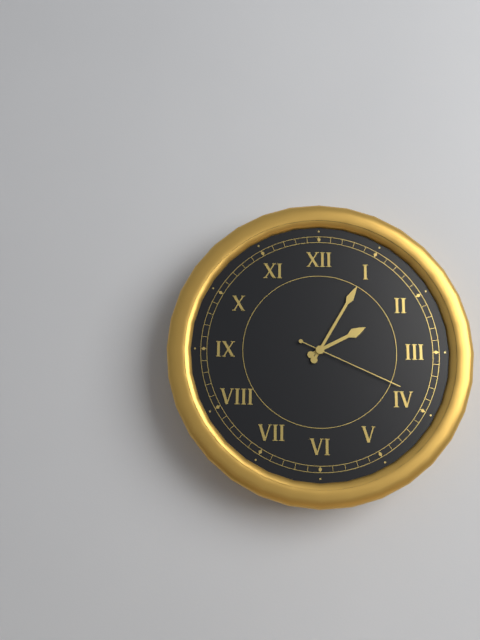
2:05:19
